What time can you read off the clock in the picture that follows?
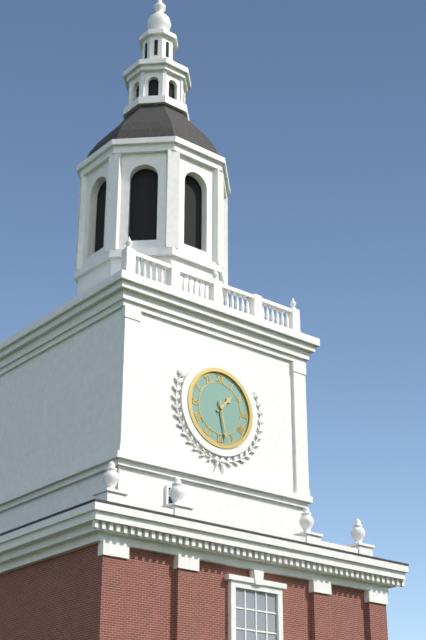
1:28
